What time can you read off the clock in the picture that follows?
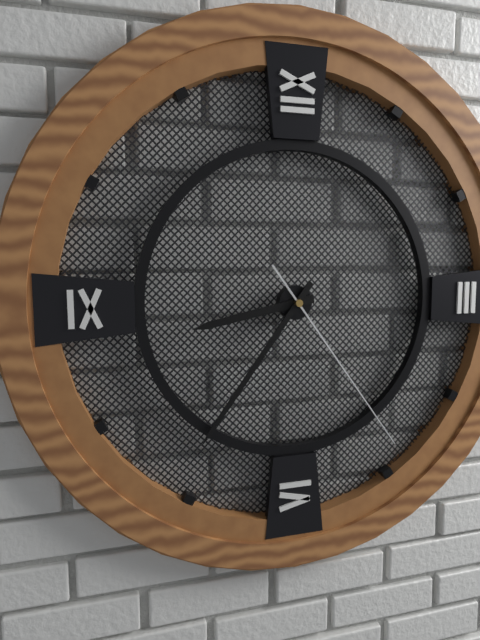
8:36:24
